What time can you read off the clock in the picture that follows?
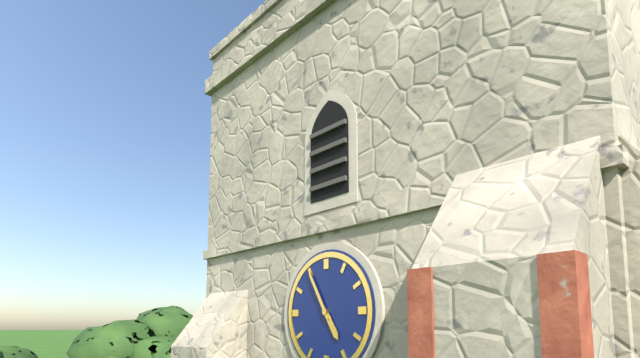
4:55
